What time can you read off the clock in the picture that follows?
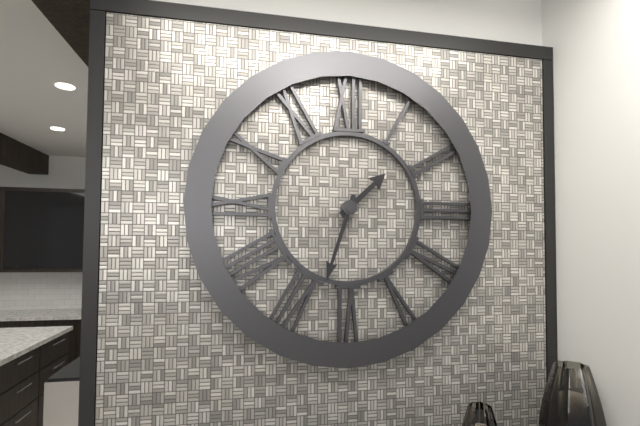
1:33
